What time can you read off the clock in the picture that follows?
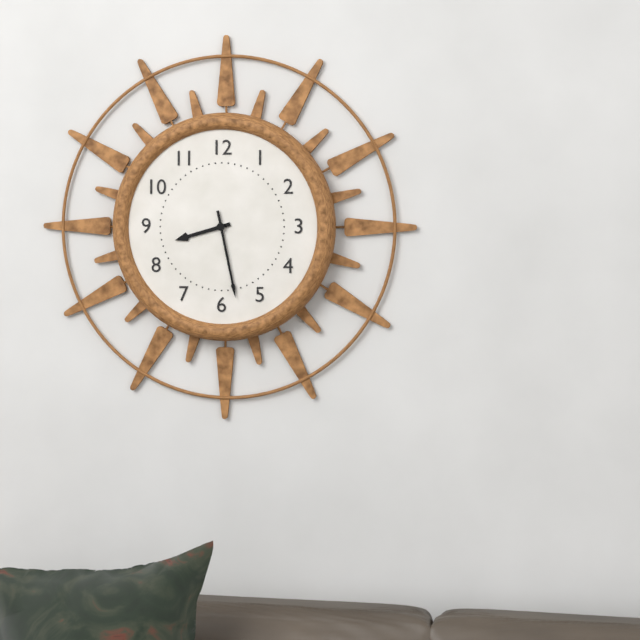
8:28
